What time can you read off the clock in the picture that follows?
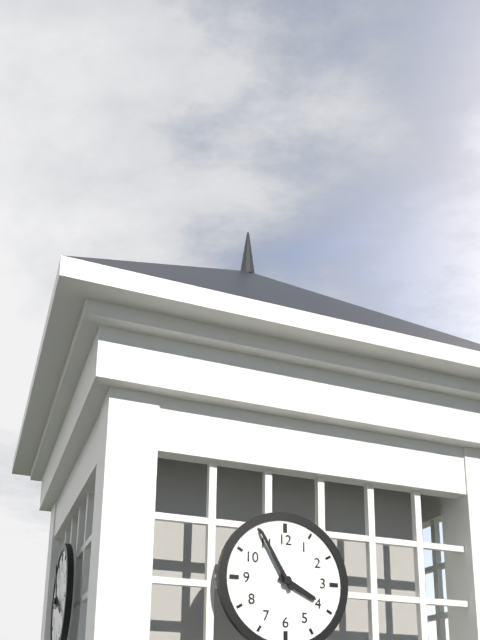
3:55
